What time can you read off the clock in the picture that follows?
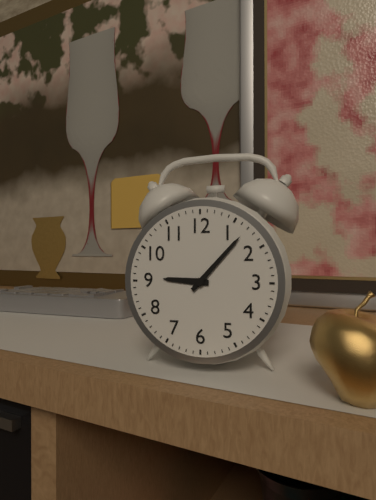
9:07
